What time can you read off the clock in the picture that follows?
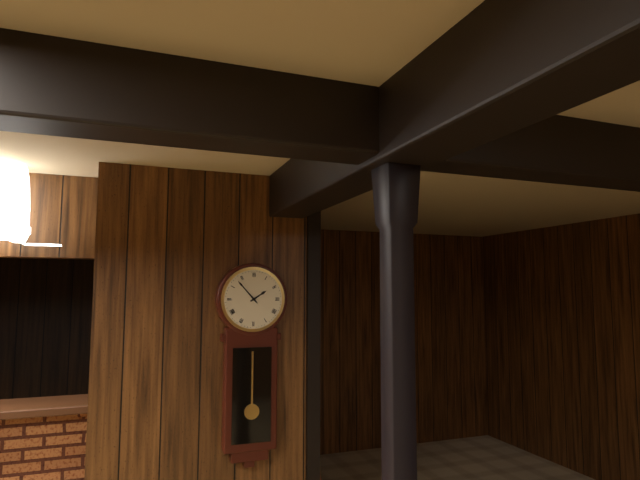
1:53
